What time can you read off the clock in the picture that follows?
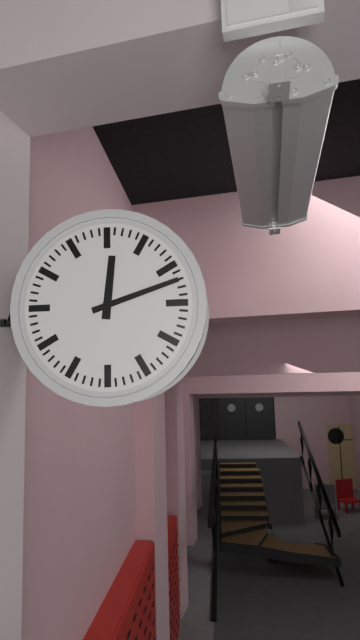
12:12
